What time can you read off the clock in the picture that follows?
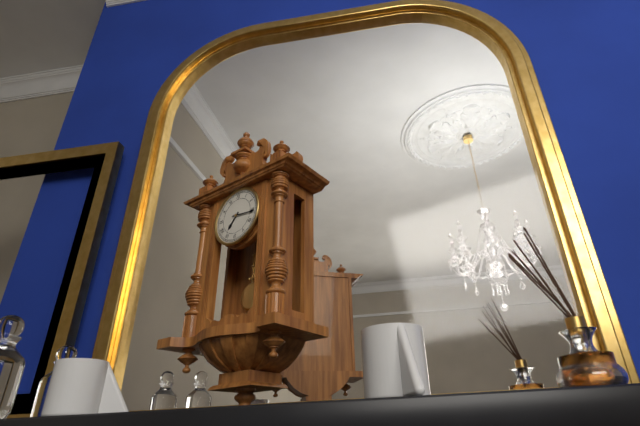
7:16
